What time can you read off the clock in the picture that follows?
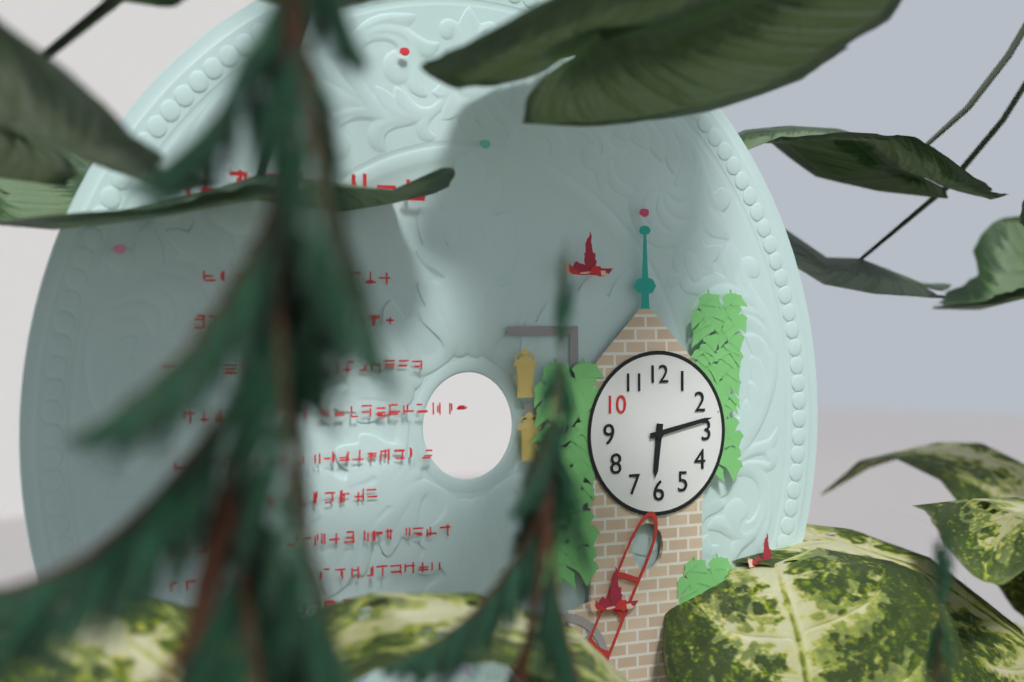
6:13
